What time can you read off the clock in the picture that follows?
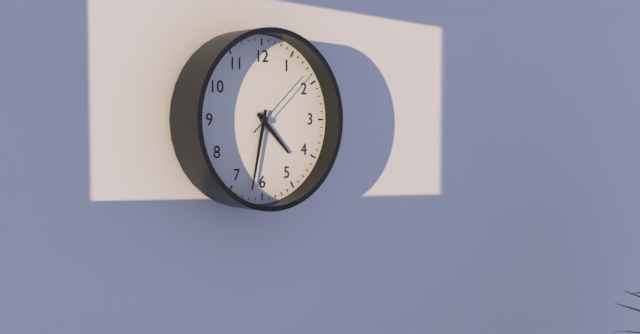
4:32:08
